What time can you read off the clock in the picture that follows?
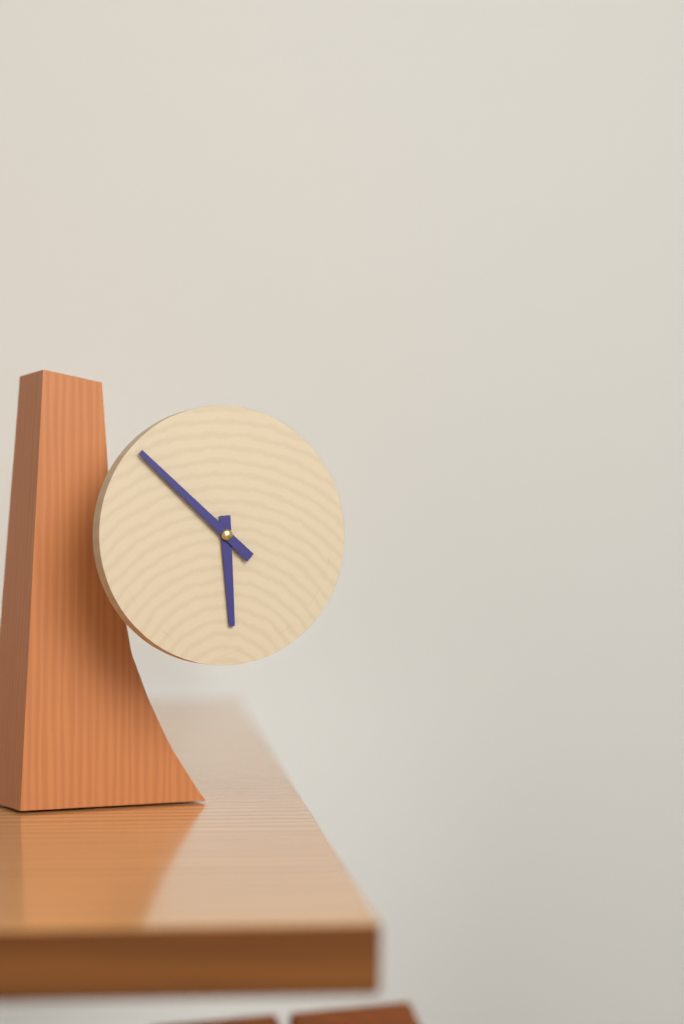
5:52
